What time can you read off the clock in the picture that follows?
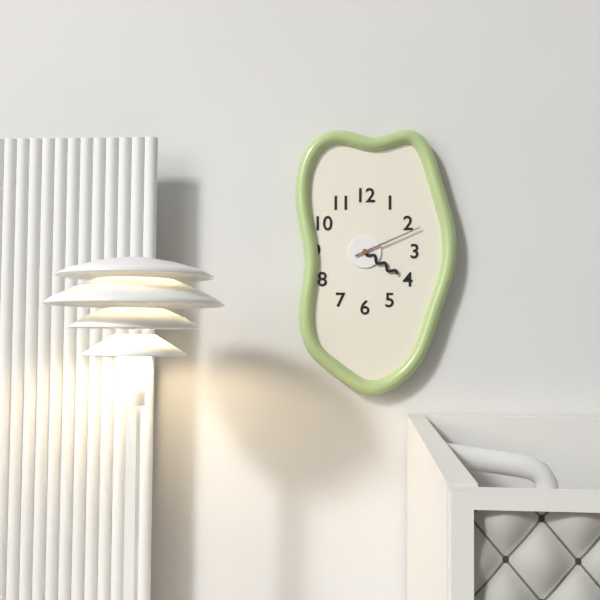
4:11
